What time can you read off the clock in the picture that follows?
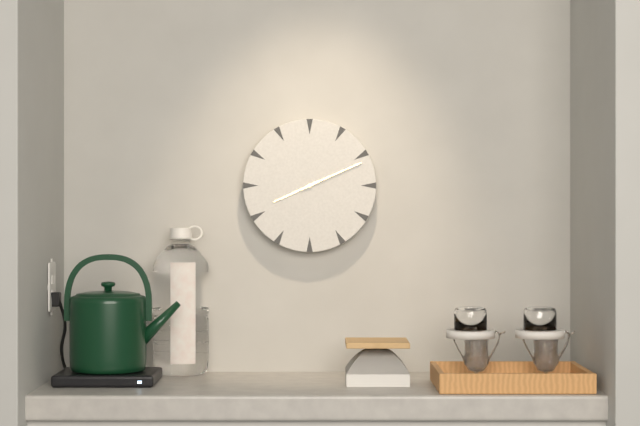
8:11
